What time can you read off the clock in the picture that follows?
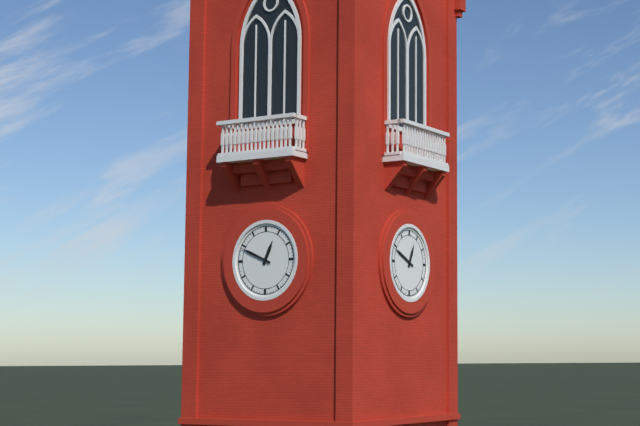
12:49
